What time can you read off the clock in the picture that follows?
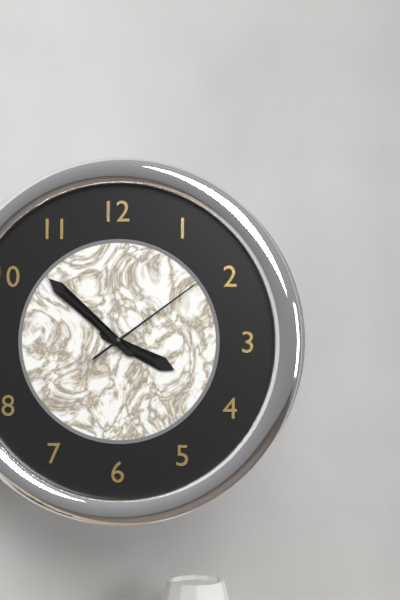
3:52:09
